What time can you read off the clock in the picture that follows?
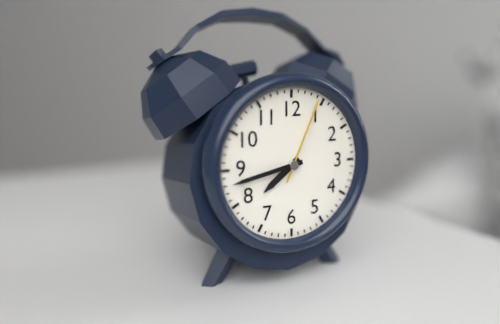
7:43:04
